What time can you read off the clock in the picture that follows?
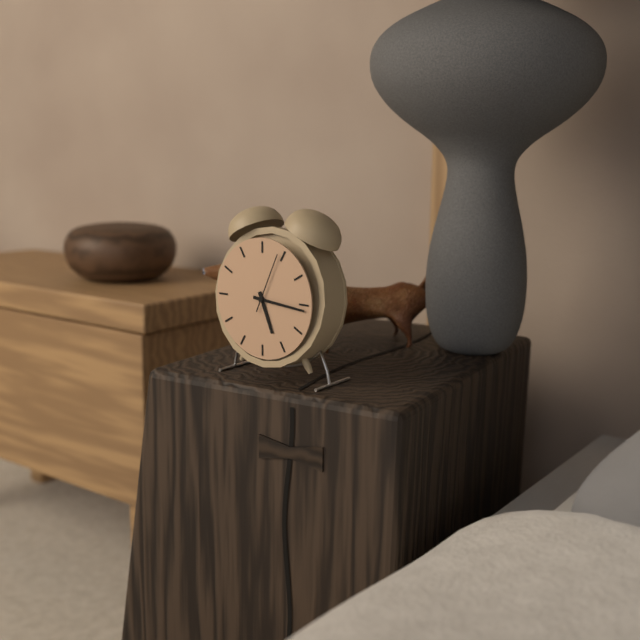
5:16:04
